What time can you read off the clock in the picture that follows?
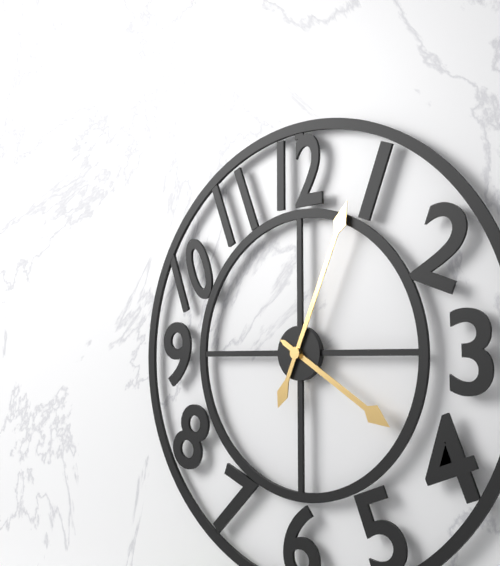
4:04
